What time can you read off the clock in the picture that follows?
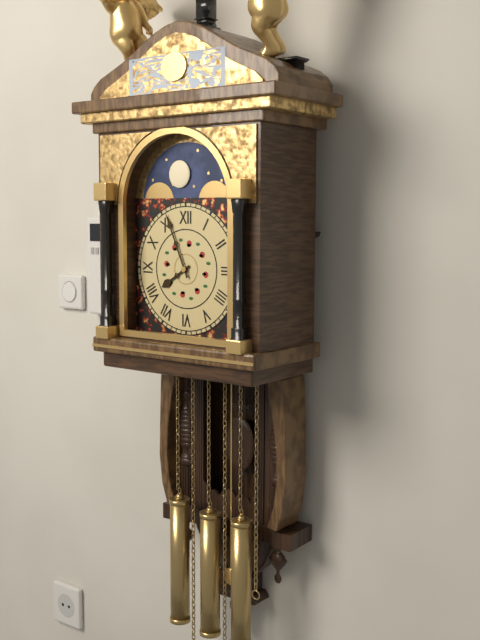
7:56
